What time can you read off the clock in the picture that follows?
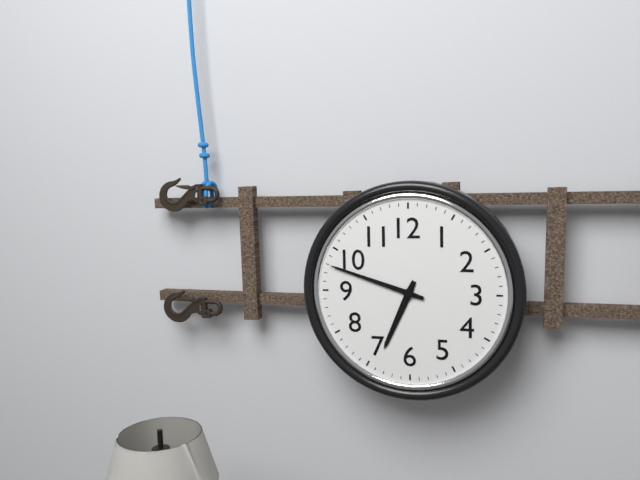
6:48
